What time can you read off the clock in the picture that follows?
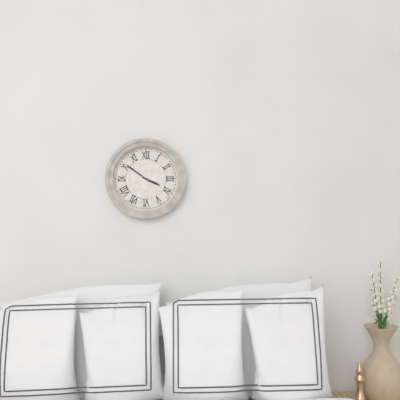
3:51
